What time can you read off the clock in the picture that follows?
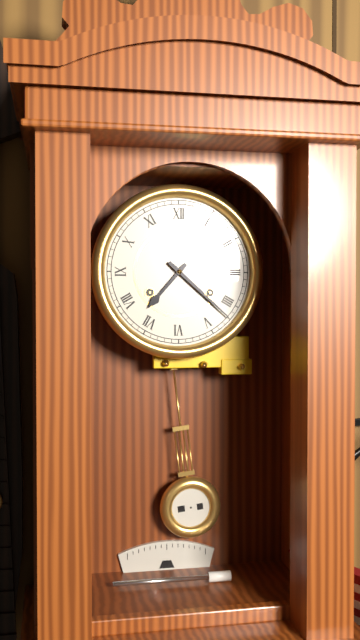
7:22
